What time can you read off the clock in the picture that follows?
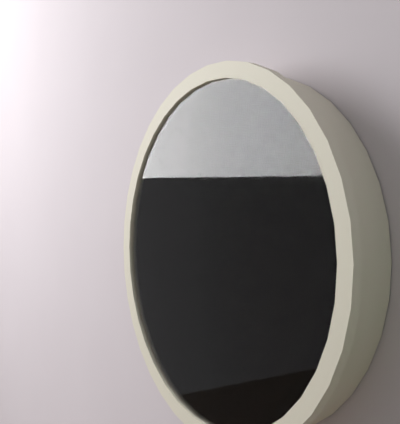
12:31:08
